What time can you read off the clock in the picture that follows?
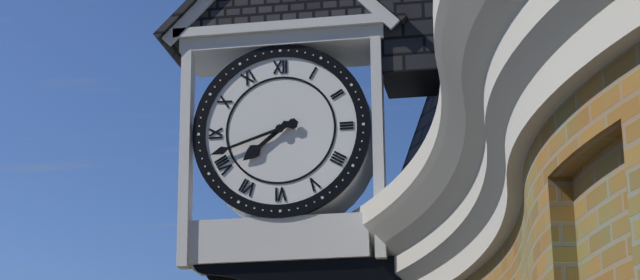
7:42
